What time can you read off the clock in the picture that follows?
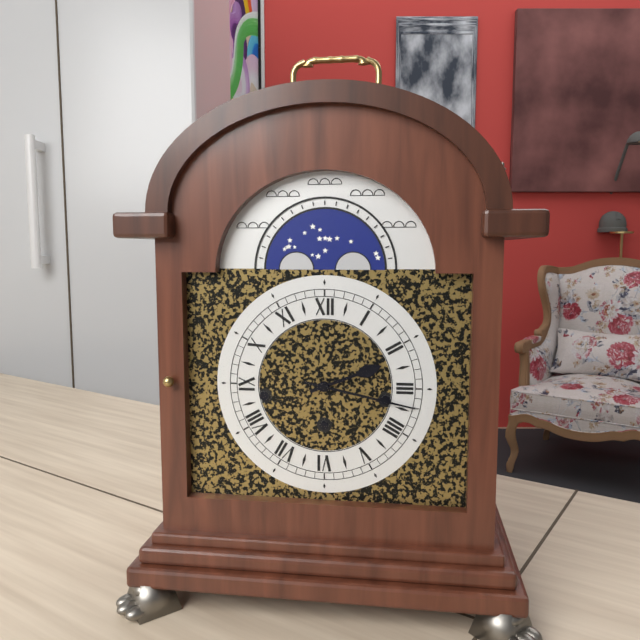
2:17
